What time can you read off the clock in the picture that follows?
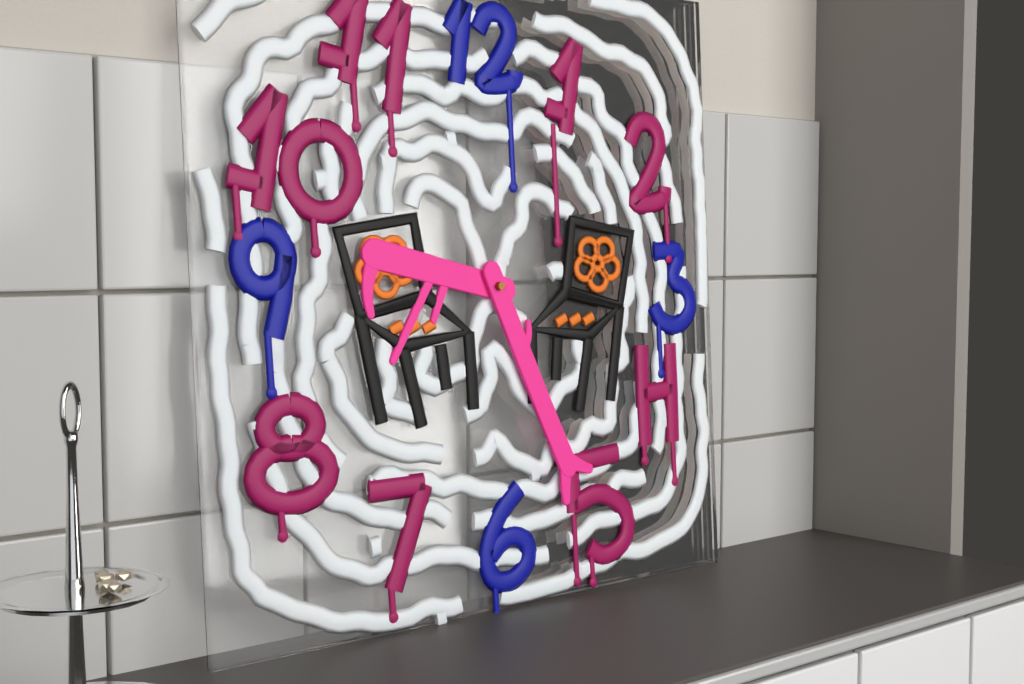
9:26
